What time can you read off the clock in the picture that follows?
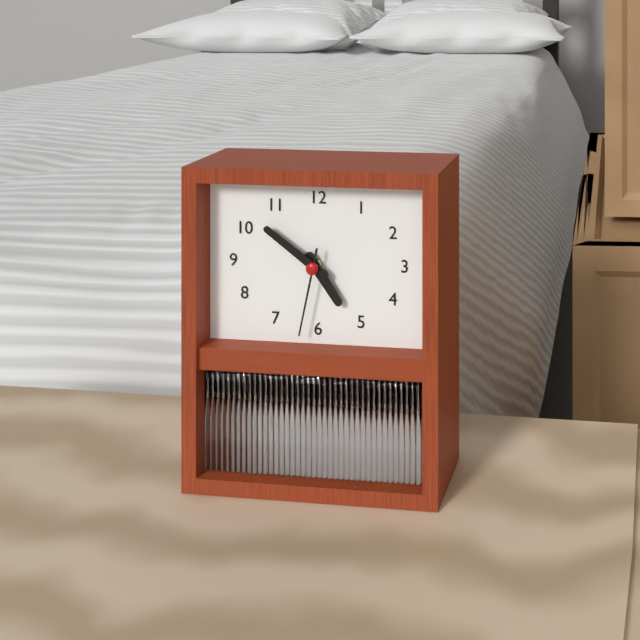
4:51:32
